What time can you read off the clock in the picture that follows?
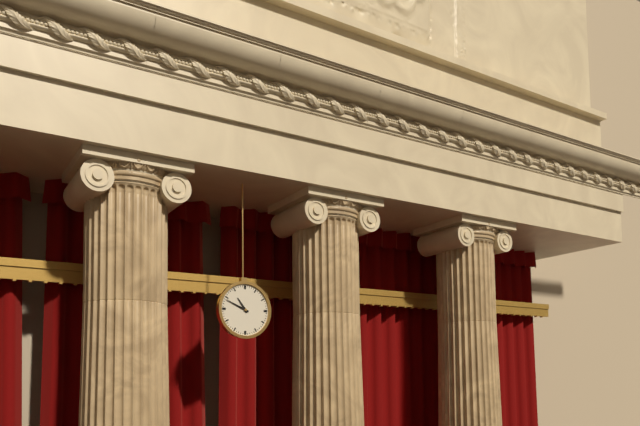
10:49
